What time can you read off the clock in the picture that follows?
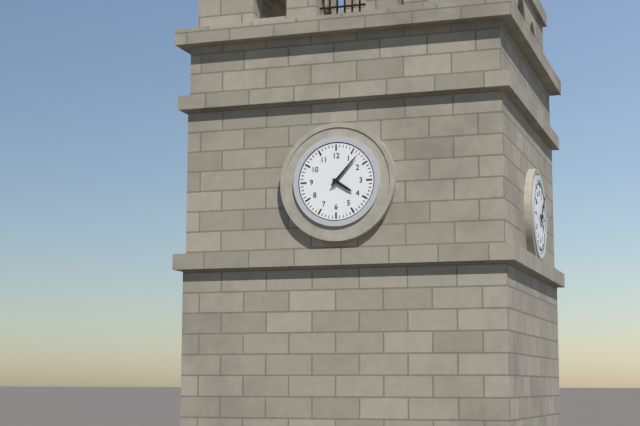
4:07
